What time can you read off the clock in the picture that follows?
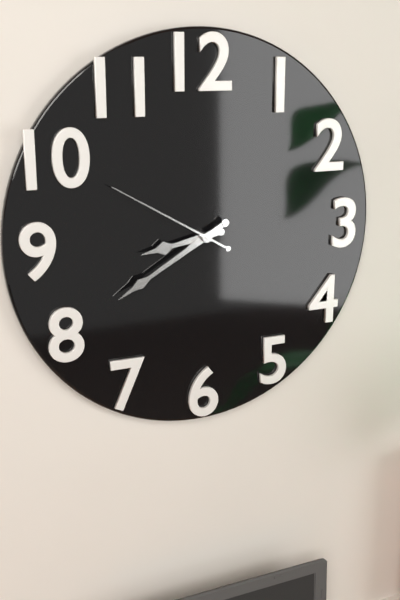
8:40:50
